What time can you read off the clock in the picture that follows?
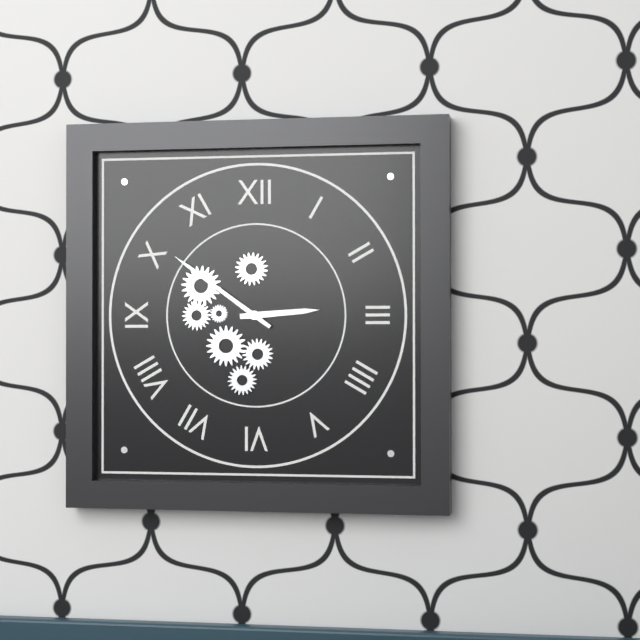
2:51
